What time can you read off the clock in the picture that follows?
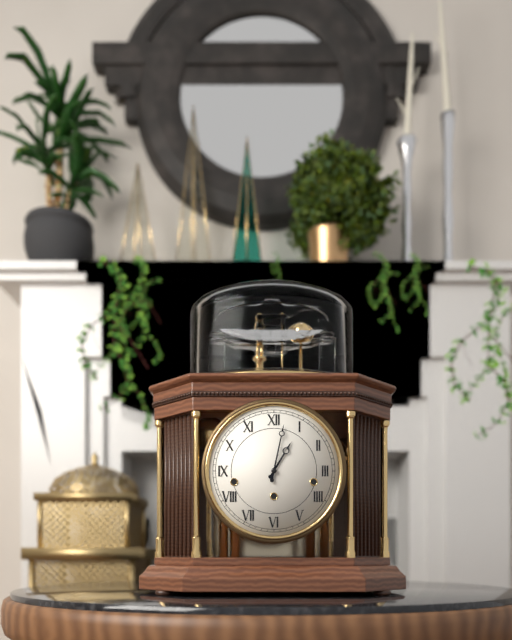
1:02
